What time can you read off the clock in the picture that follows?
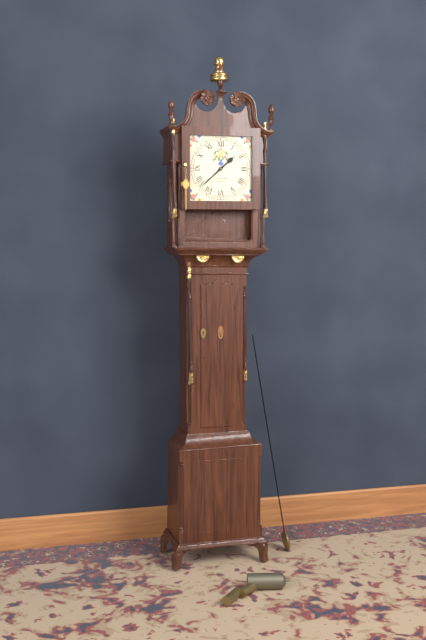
1:38
